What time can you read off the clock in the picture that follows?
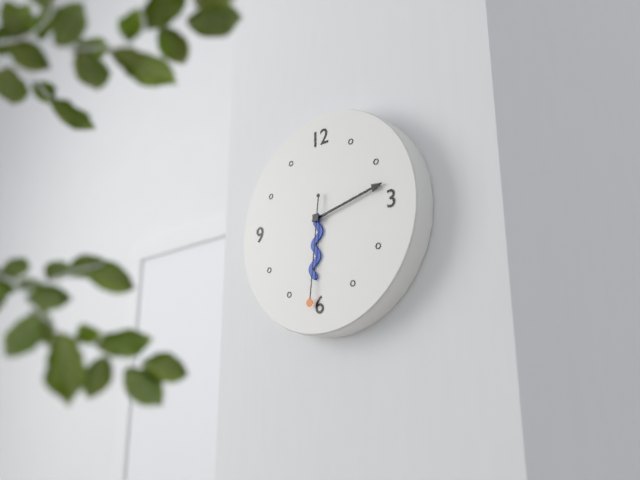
6:13:31
